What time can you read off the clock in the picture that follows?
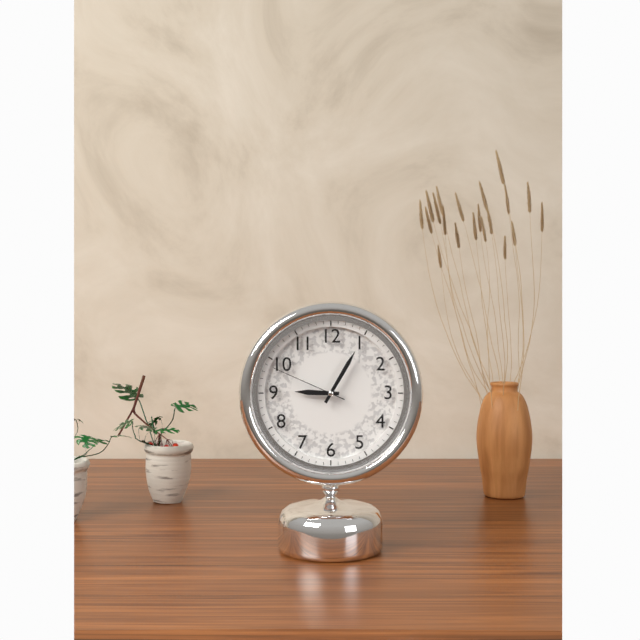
9:05:49
